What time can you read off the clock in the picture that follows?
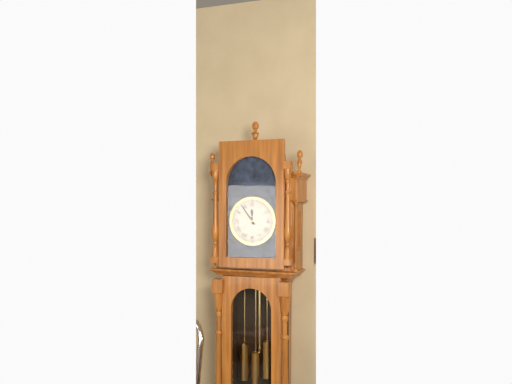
11:54
